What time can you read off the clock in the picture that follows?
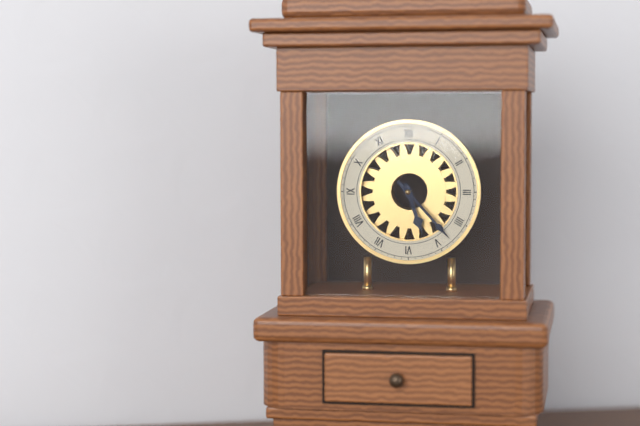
5:23
